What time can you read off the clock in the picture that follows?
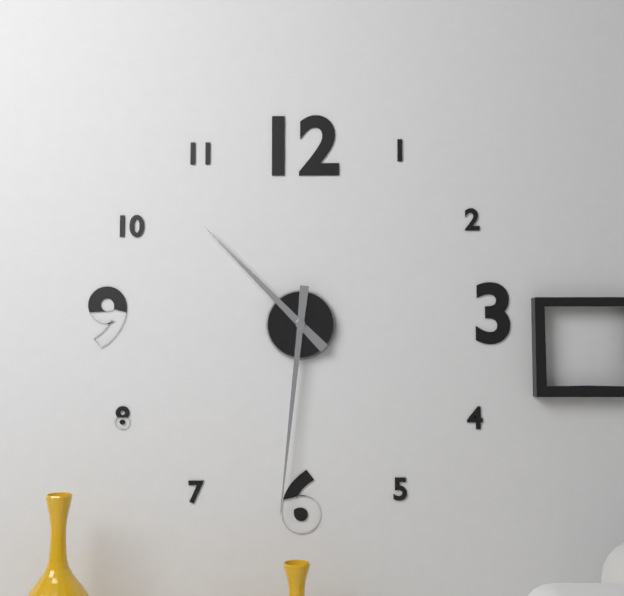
10:31
